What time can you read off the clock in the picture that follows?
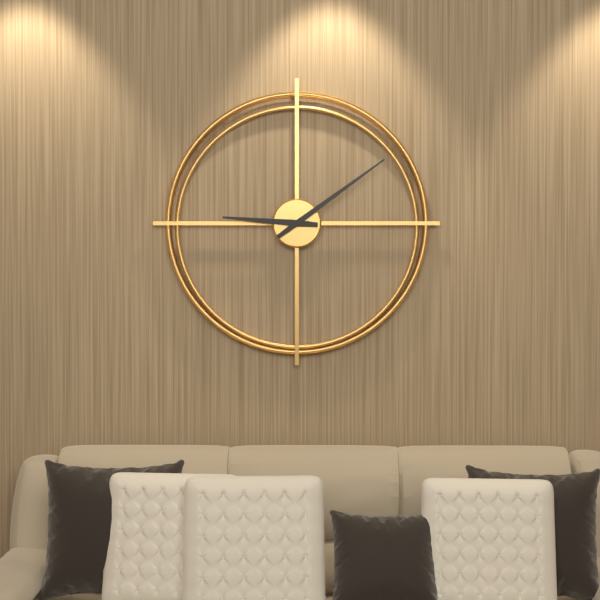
9:09
